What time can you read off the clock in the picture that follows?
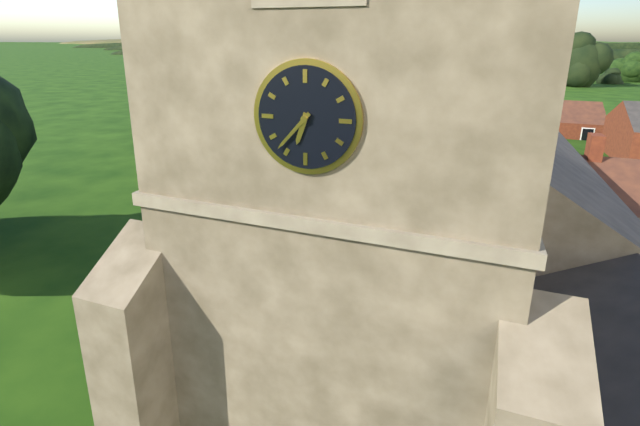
6:37
